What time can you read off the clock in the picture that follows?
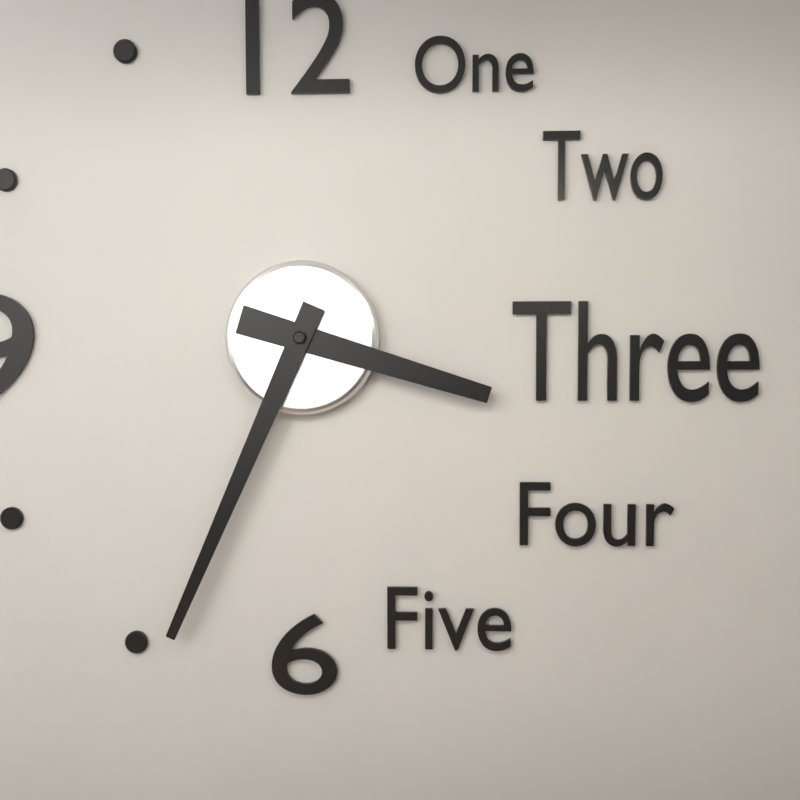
3:34
